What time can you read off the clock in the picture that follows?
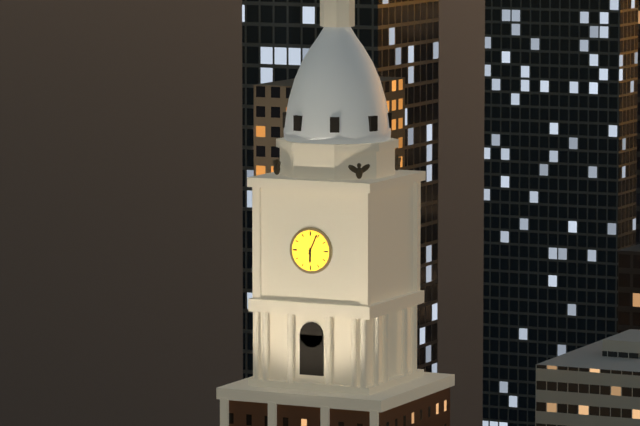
6:04
